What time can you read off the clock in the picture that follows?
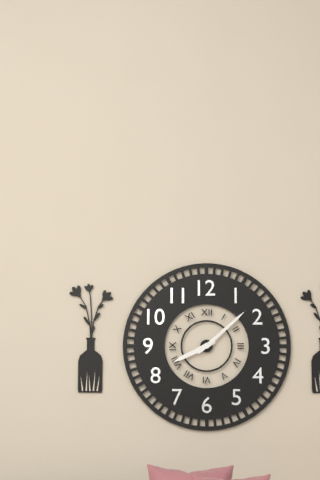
8:08
